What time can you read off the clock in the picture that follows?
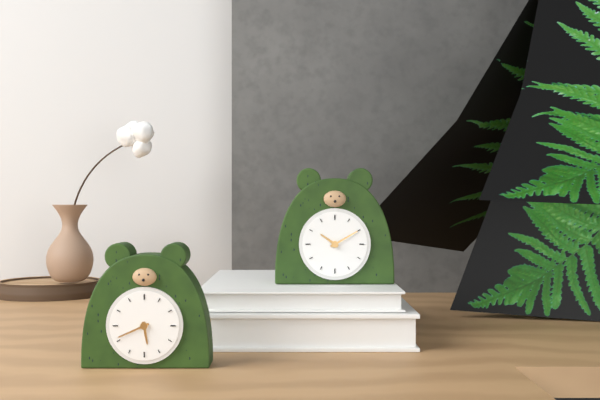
5:41
